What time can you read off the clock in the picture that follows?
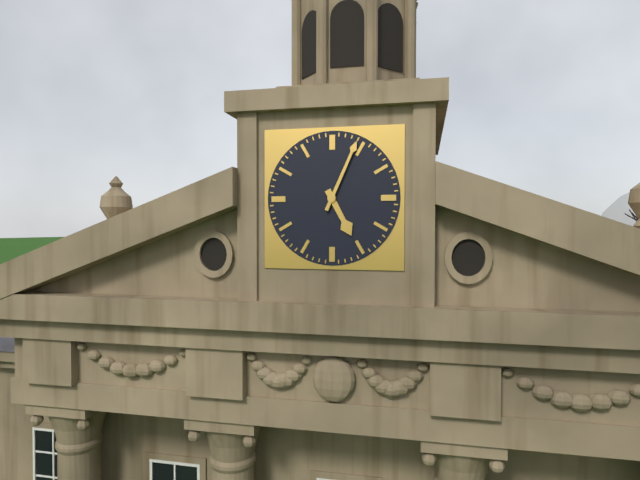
5:04
